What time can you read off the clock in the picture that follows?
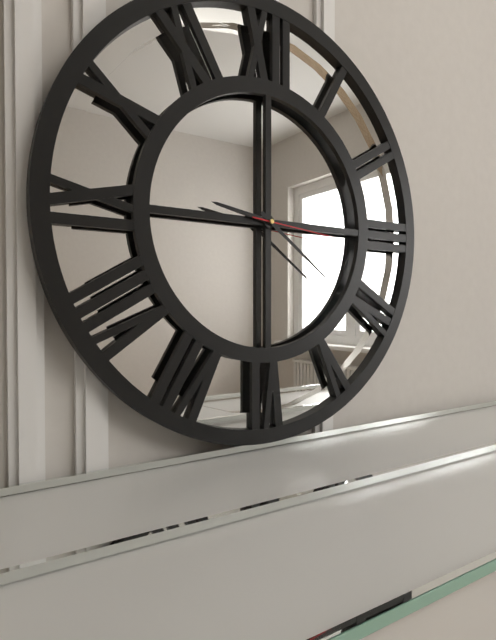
9:21:16
